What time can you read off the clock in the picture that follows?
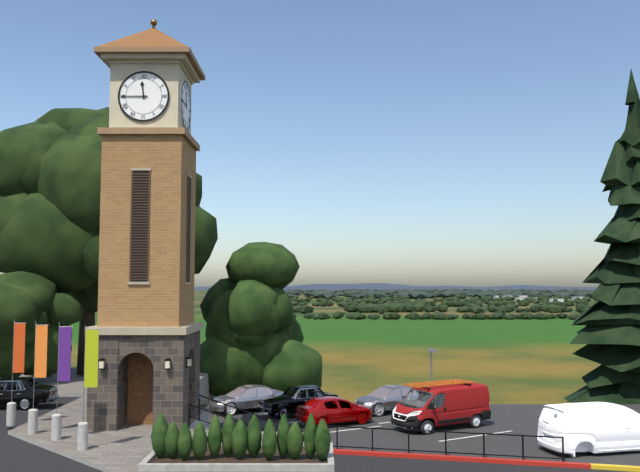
11:45
